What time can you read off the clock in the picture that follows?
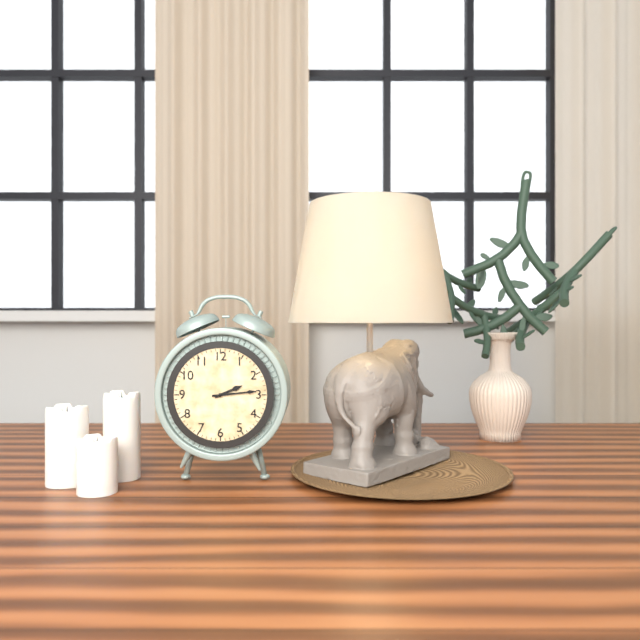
2:14
